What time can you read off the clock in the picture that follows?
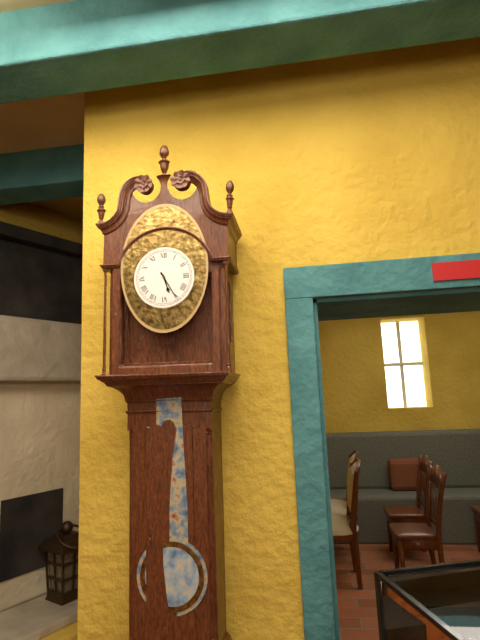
5:25
